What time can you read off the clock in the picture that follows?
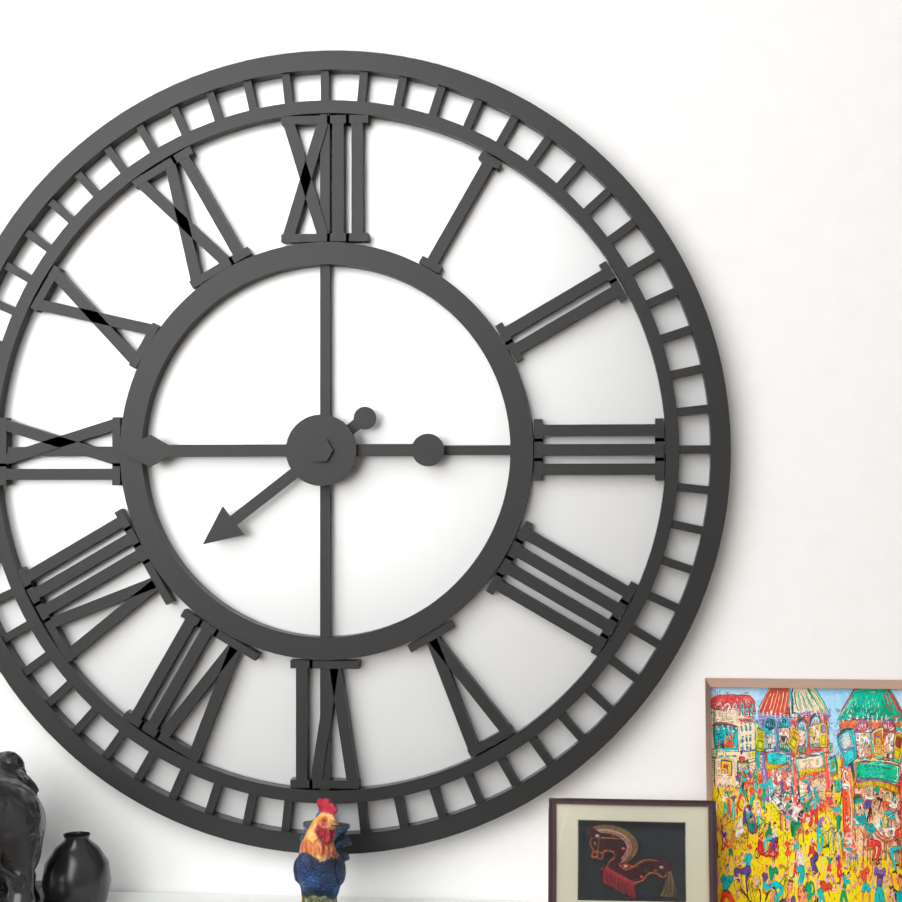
7:45
